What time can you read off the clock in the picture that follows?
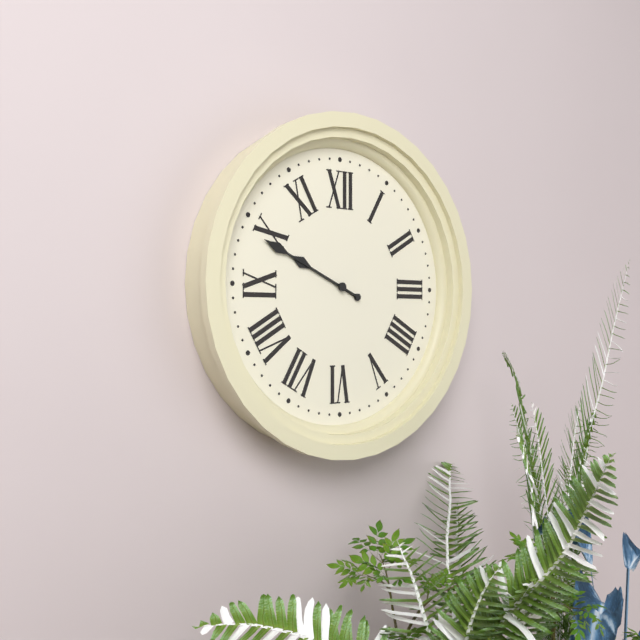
9:49
